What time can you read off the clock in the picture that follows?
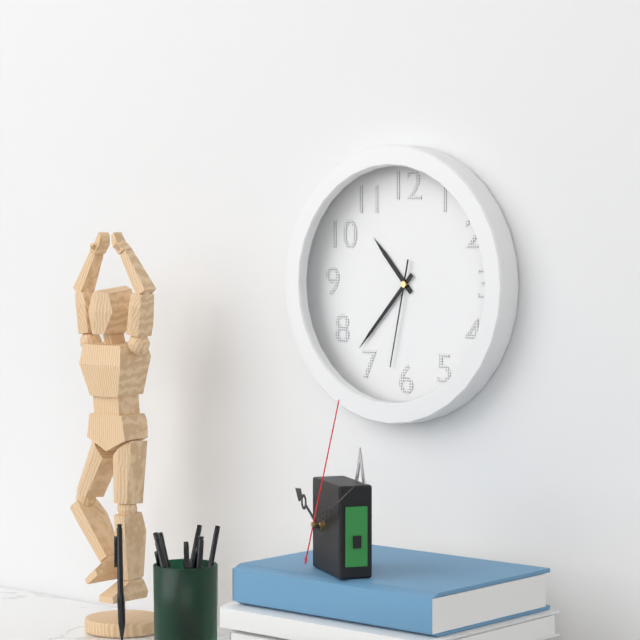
10:37:32
